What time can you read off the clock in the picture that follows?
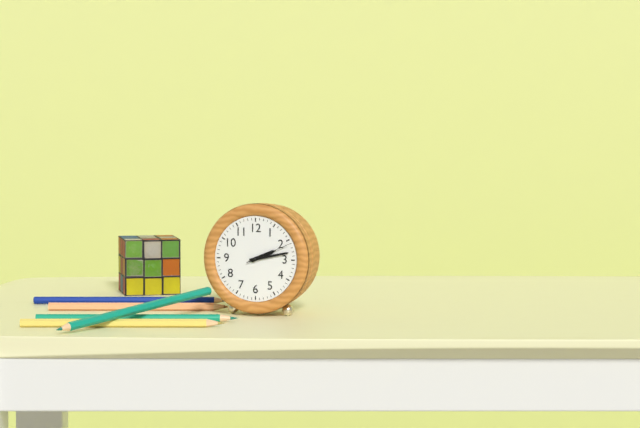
2:13
